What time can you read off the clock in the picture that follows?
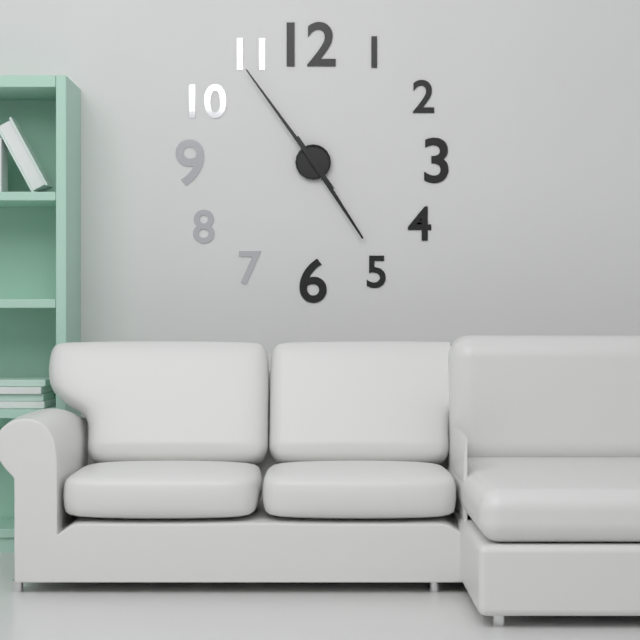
4:54
